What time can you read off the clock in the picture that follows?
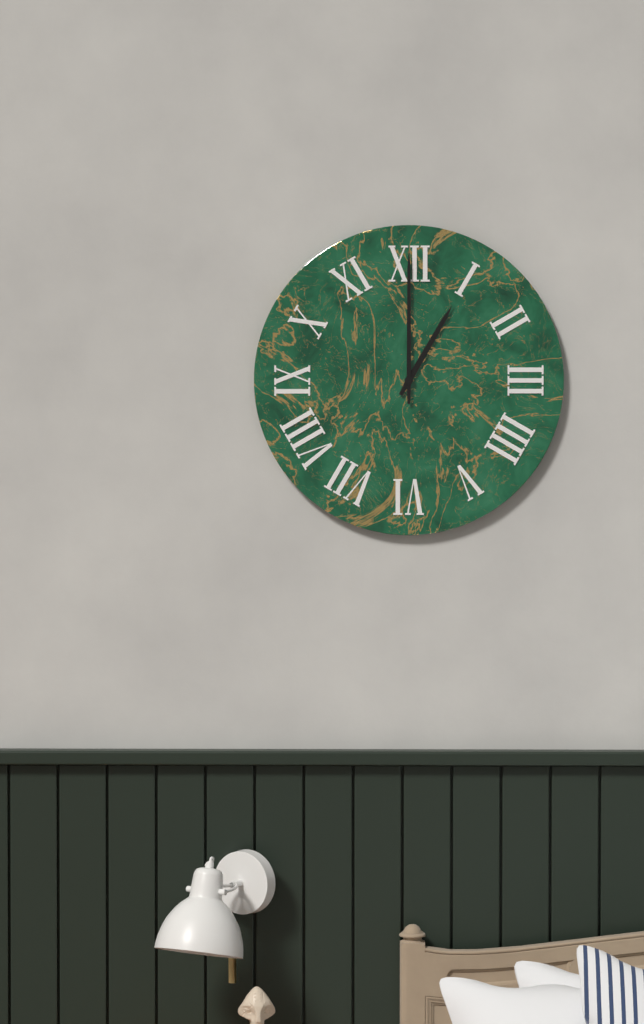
1:00
